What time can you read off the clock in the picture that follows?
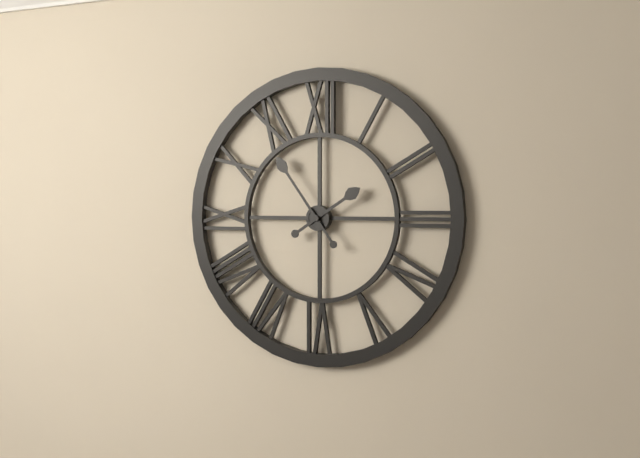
1:54
